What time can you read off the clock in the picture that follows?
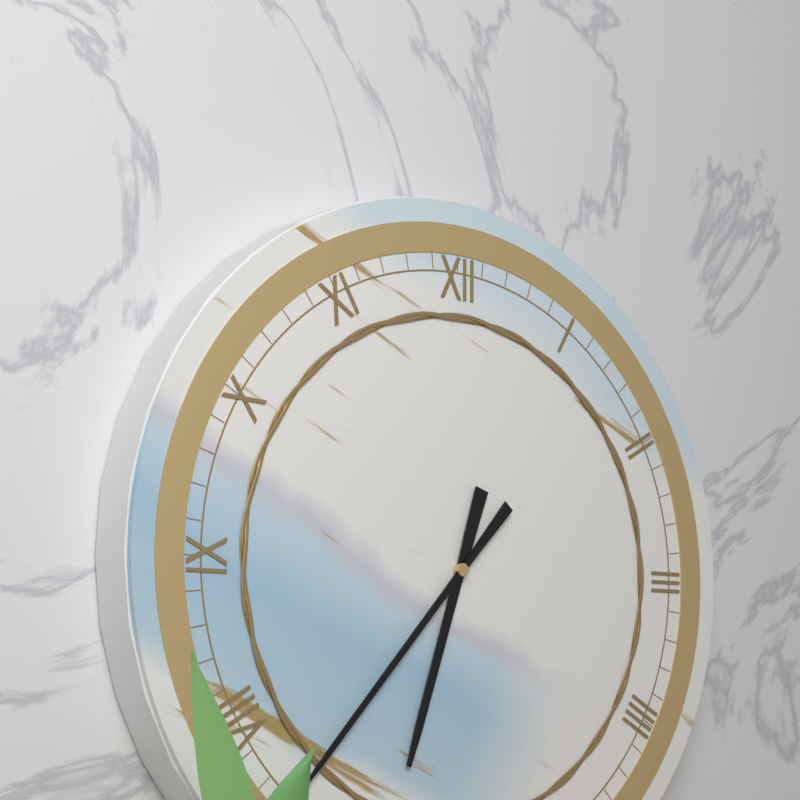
6:37
